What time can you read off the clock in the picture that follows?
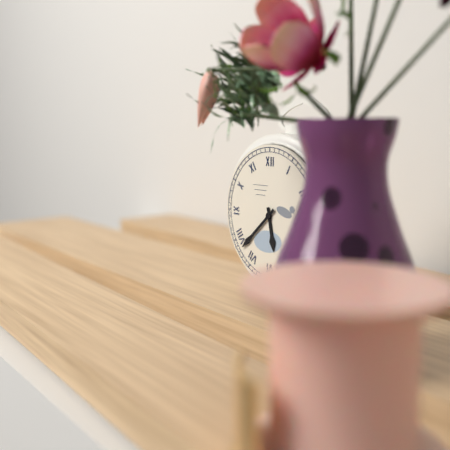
5:38
